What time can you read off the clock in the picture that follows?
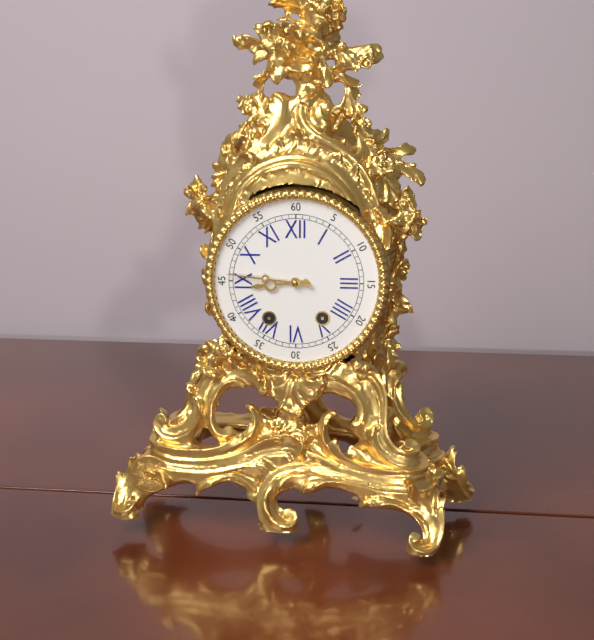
8:46
